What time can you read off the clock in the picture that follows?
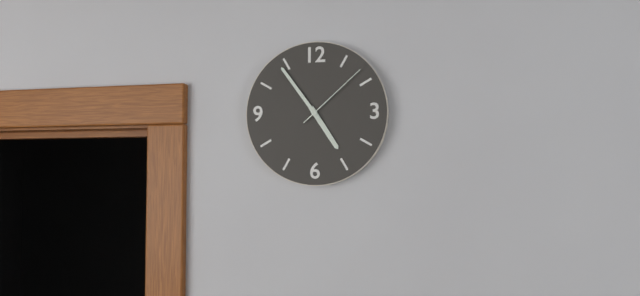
4:54:08
